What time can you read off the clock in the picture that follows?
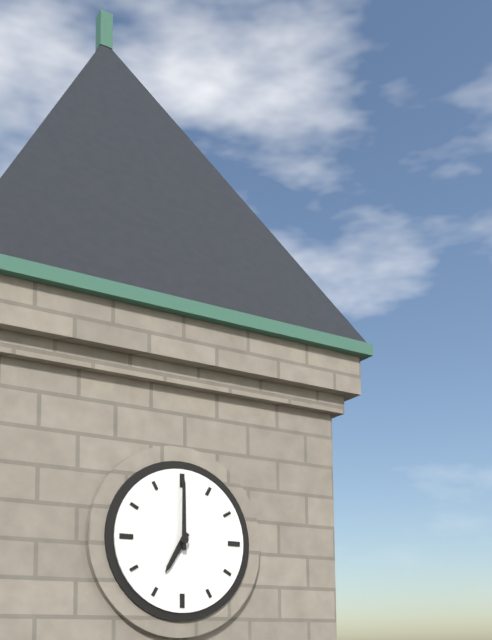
7:00
